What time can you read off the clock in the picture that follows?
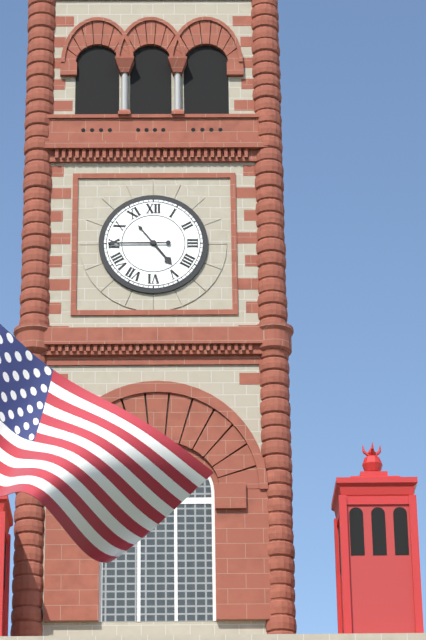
4:45
